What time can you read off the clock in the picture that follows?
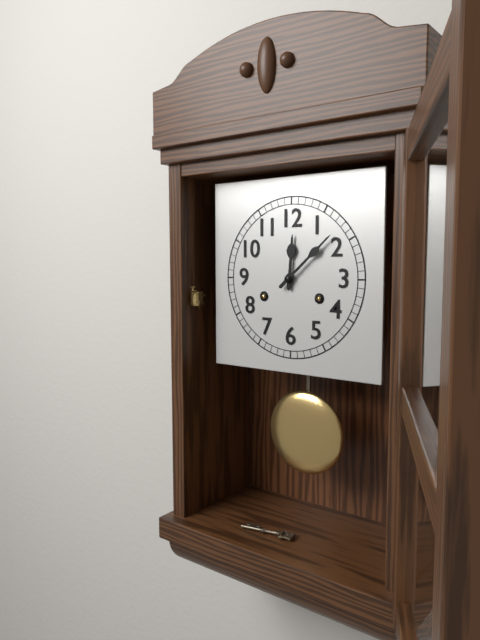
12:08
